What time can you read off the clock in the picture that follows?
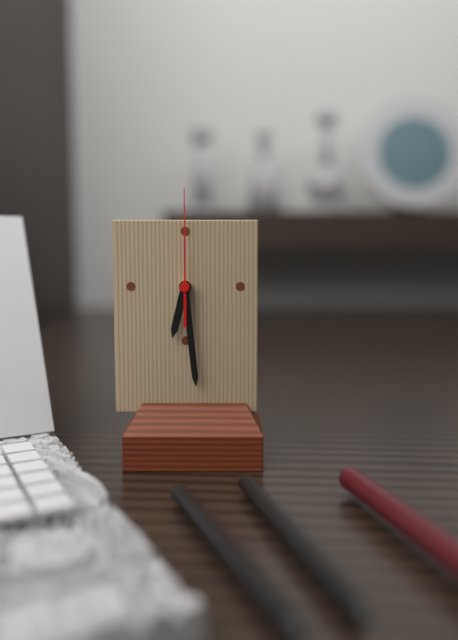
6:29:00
